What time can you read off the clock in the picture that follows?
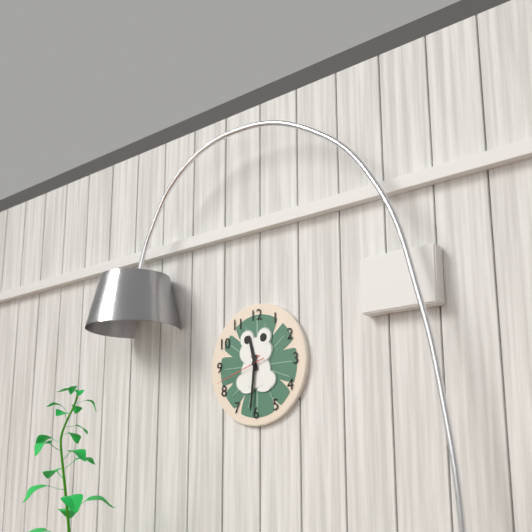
11:31:42
